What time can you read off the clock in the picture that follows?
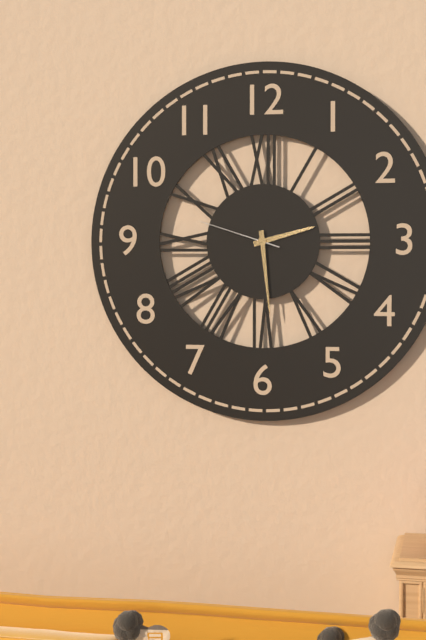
2:29:48
